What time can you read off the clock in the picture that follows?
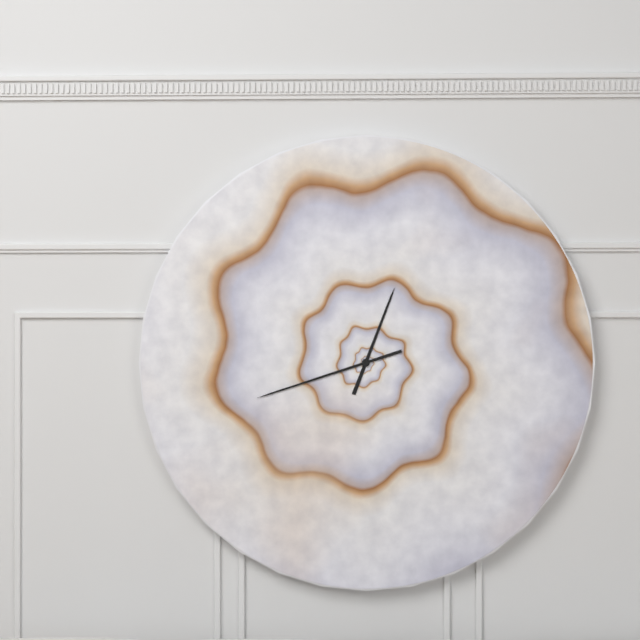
12:42
